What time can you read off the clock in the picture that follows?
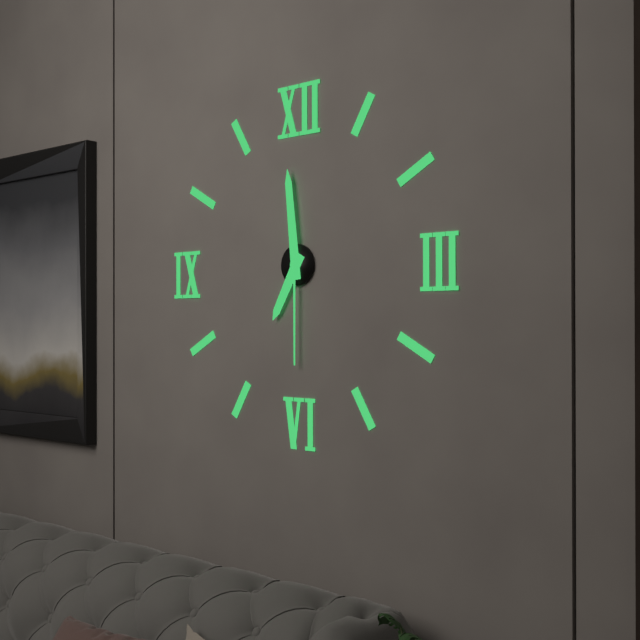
6:59:30
